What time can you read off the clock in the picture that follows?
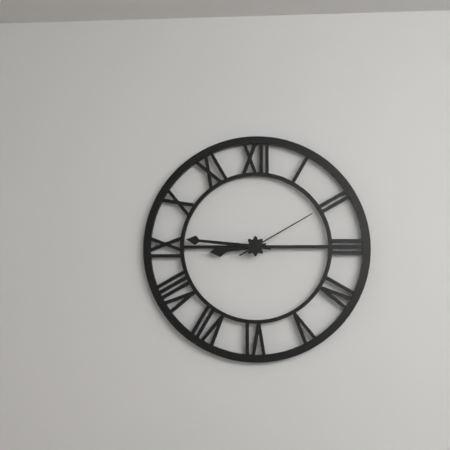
8:46:10
